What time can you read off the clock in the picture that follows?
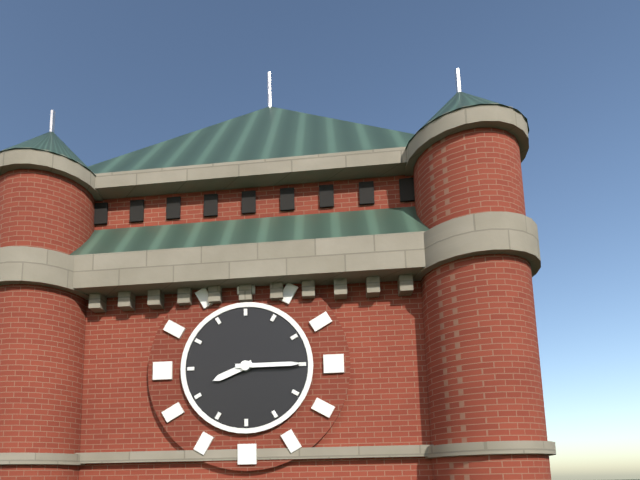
8:15
